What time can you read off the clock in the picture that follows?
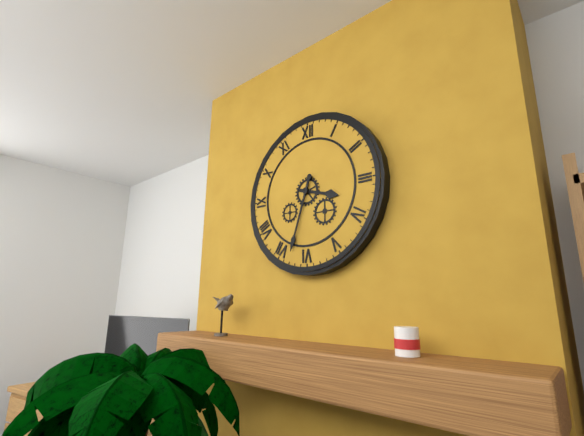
3:33
